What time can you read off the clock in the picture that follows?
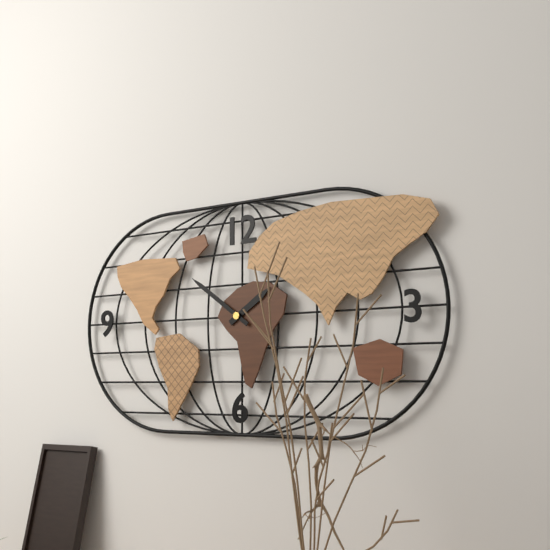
1:51
